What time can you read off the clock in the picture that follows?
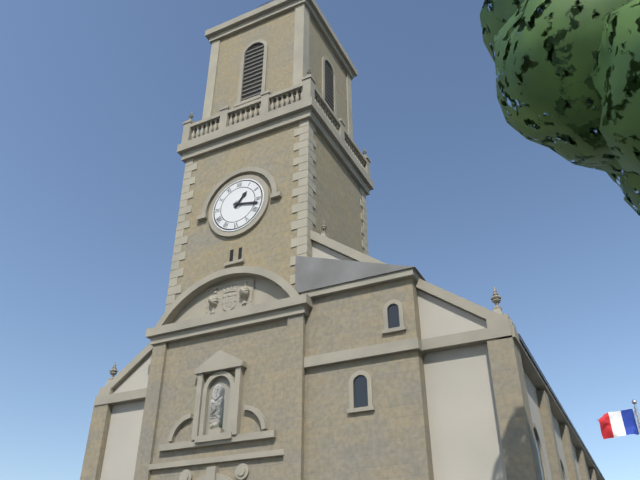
1:17
